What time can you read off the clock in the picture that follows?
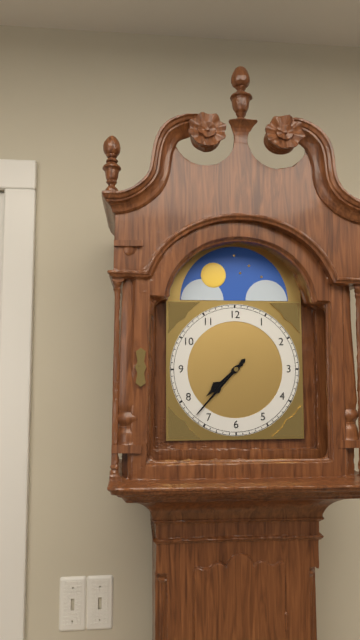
7:37
